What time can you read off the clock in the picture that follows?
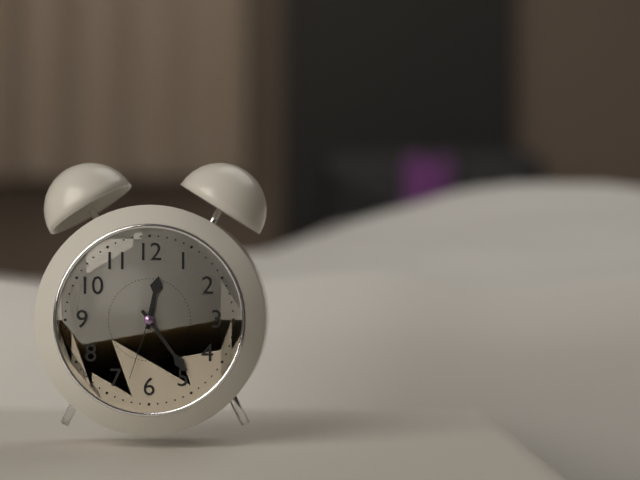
12:24:33
